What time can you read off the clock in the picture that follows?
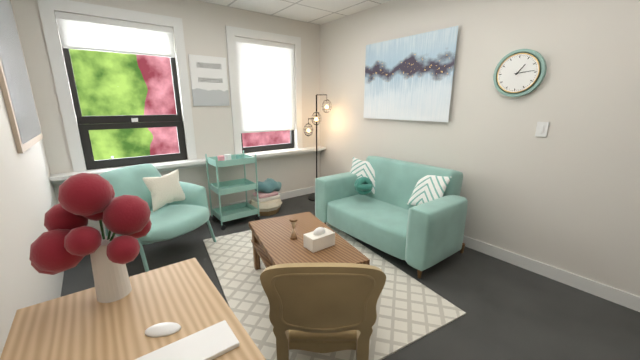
1:14
